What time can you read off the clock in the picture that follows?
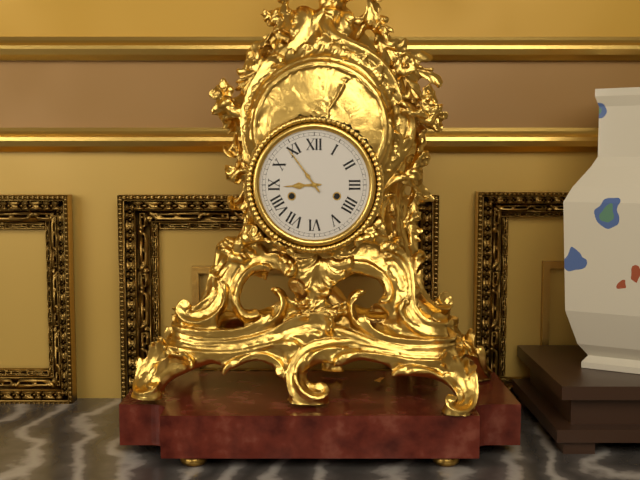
8:54
